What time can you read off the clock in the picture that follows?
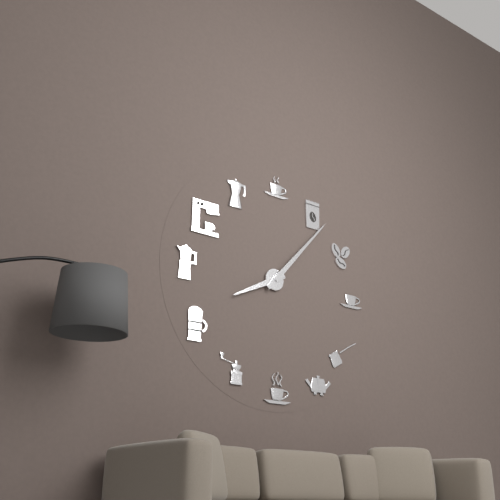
8:07
